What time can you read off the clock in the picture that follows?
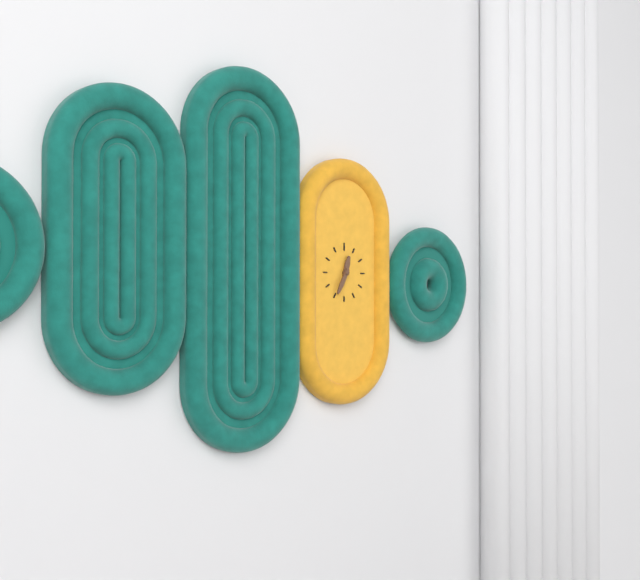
12:35
